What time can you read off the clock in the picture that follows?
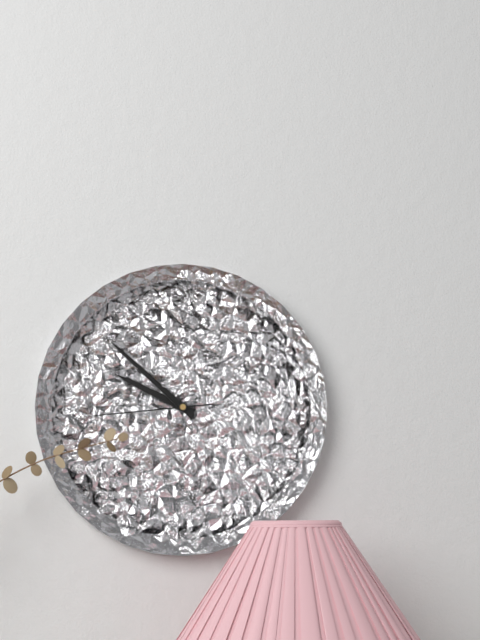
9:52:44
